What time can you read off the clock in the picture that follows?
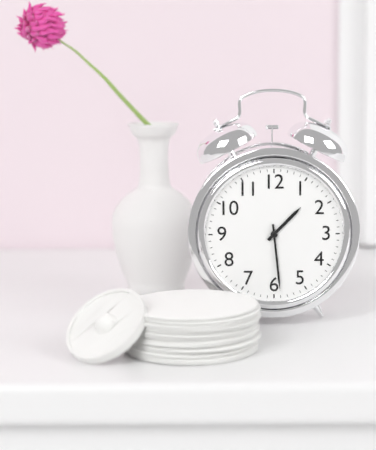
1:29
